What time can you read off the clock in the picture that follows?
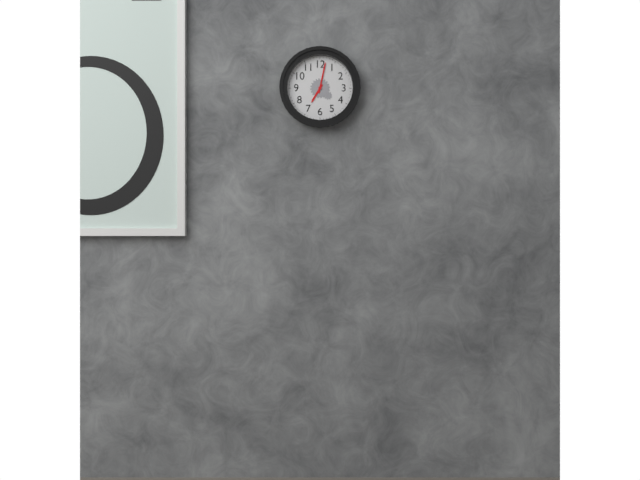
7:02
